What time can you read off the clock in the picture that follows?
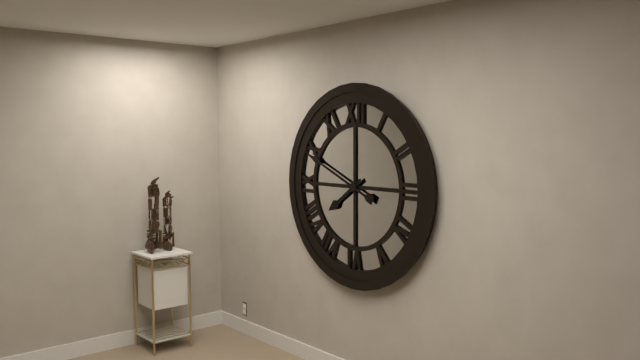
7:49
